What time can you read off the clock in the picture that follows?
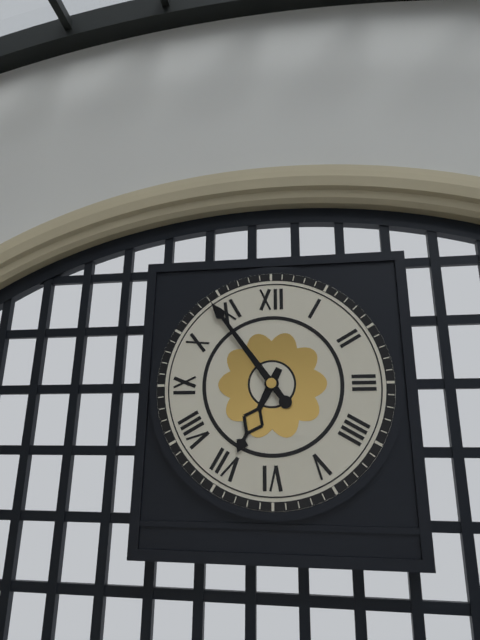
6:54
